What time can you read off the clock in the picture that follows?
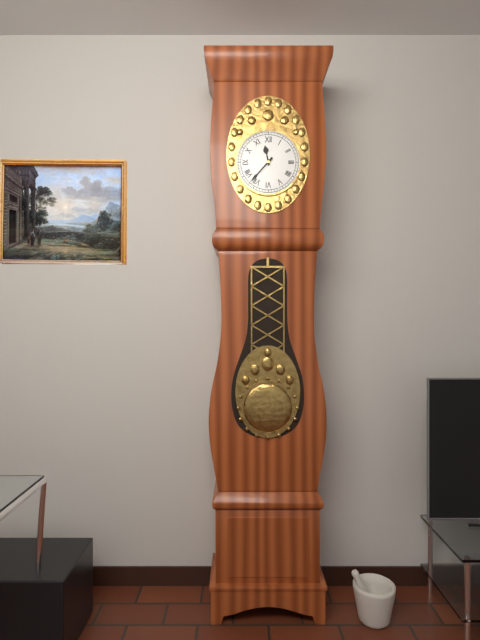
11:37
